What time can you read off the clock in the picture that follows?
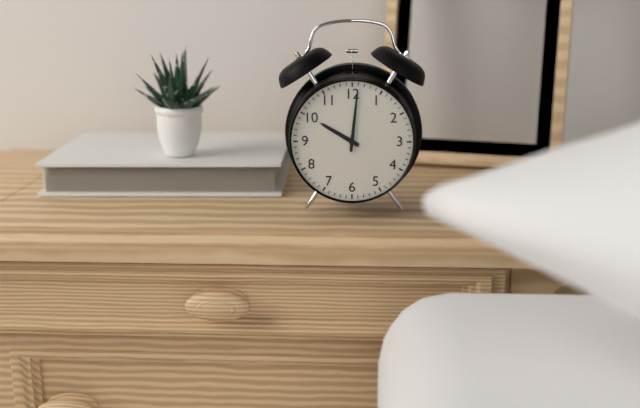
10:01
